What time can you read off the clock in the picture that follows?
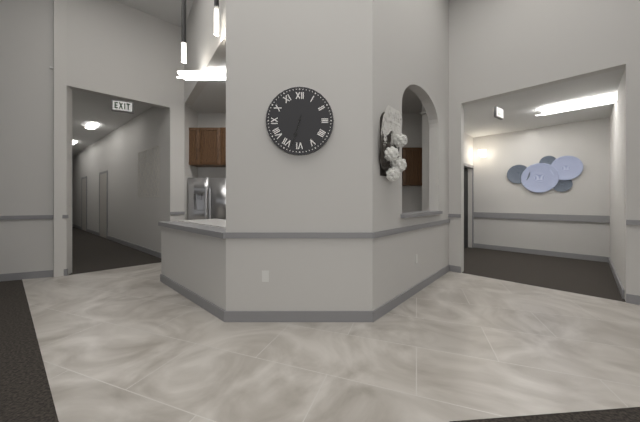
6:33
